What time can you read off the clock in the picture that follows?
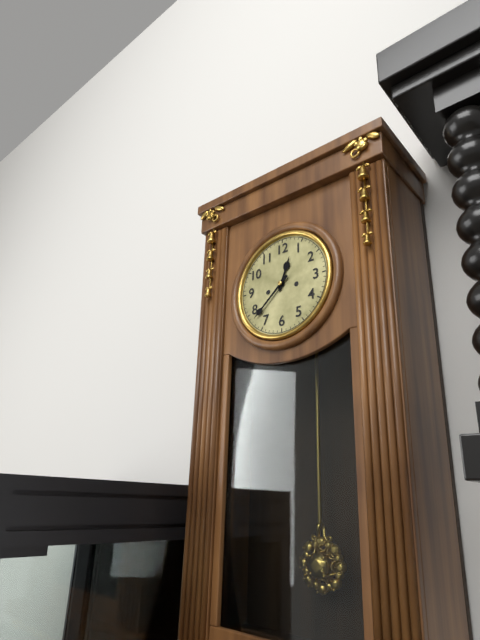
12:38
